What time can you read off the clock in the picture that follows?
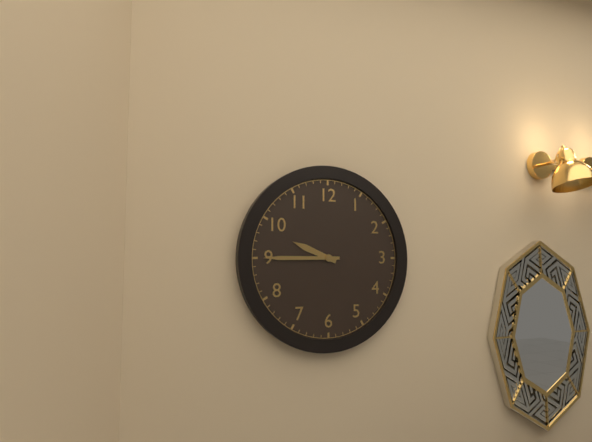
9:45
